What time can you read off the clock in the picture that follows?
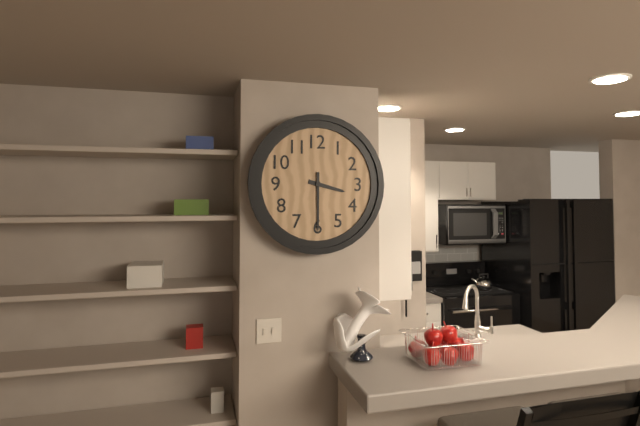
3:30
